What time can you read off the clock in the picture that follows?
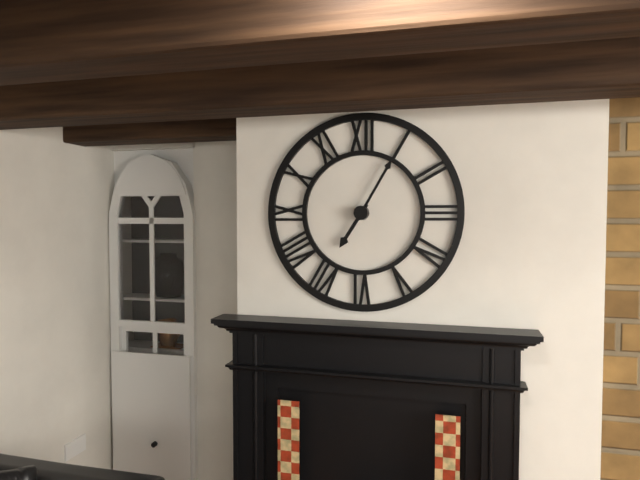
7:05
